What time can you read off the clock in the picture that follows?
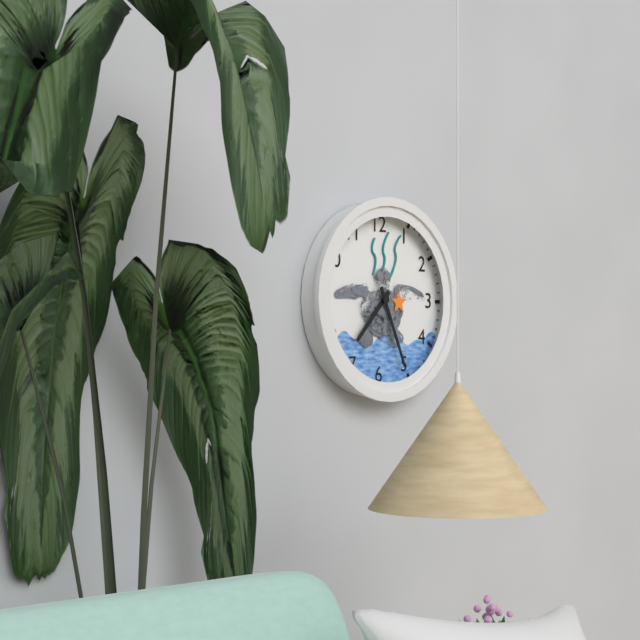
7:26
